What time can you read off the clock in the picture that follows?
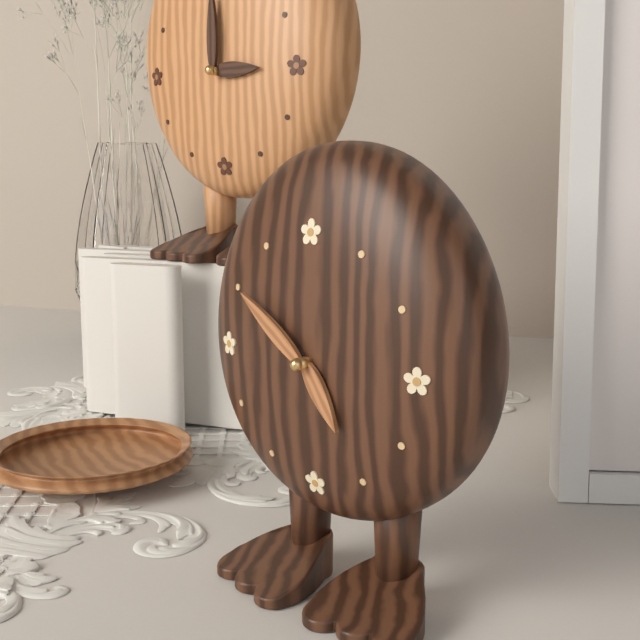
4:51
